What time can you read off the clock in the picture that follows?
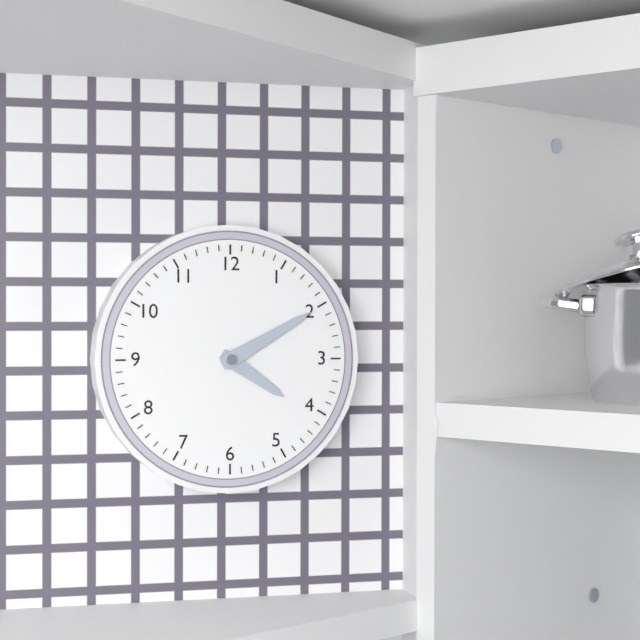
4:10
